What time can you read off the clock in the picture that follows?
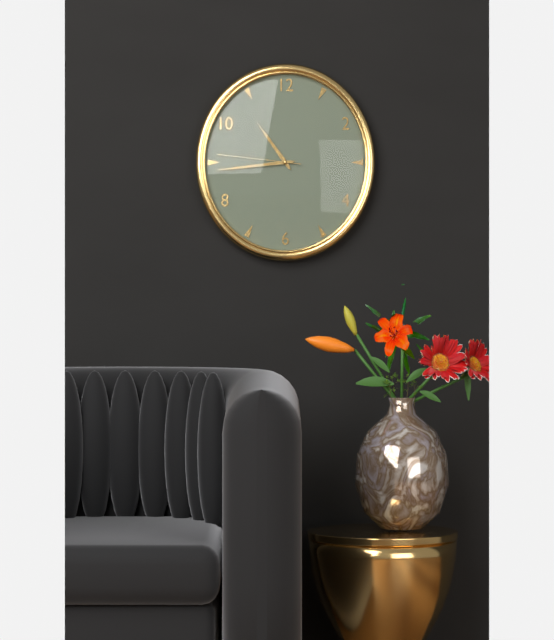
10:44:46
